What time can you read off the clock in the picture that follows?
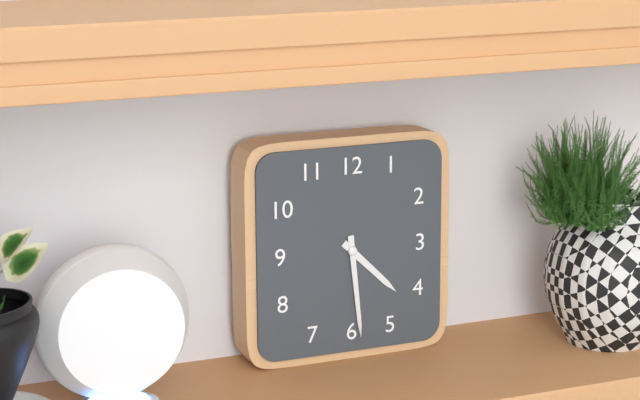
4:29
